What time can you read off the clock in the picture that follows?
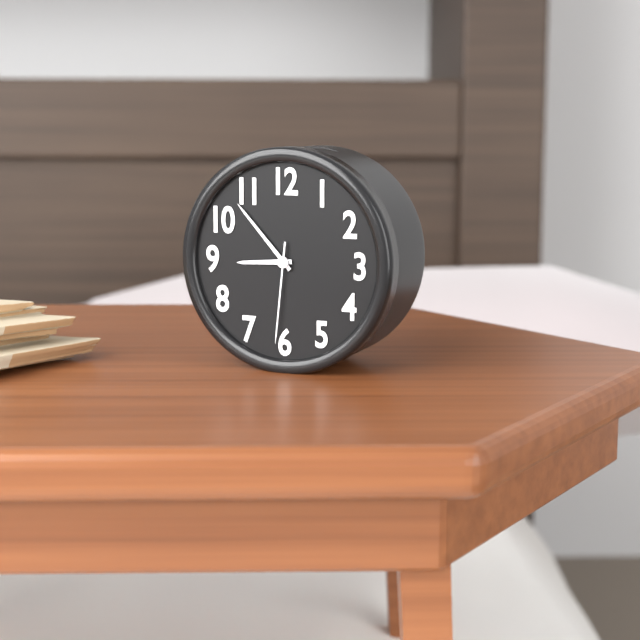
8:53:31
